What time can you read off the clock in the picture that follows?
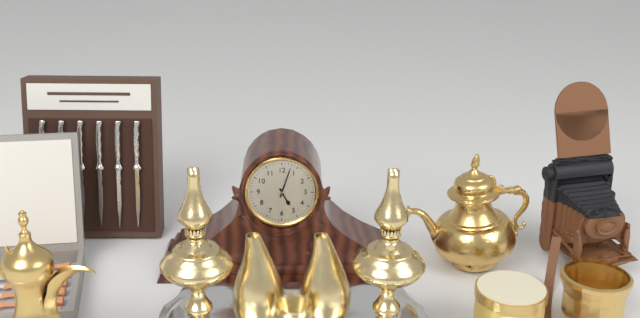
5:03
